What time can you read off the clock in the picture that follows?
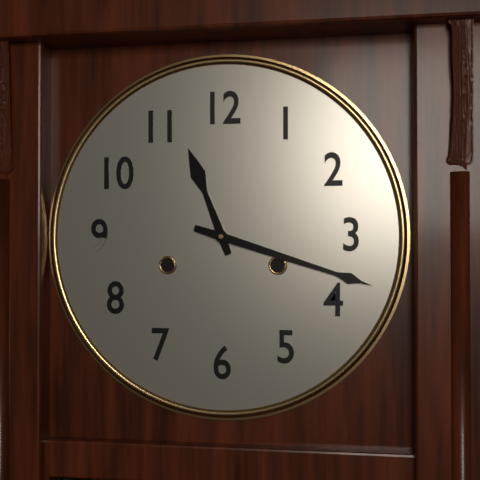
11:18
